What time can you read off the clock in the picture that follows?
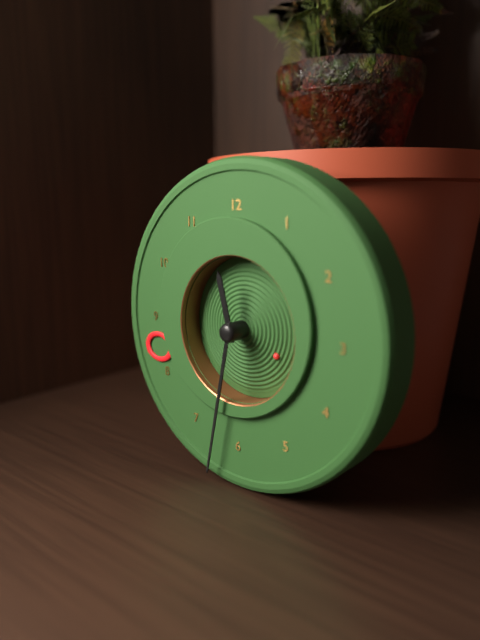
11:32
